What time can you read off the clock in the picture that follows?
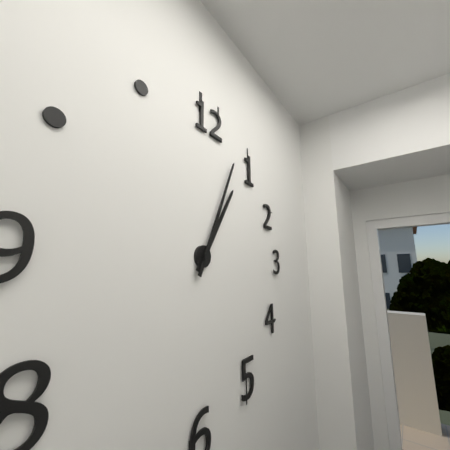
1:04
